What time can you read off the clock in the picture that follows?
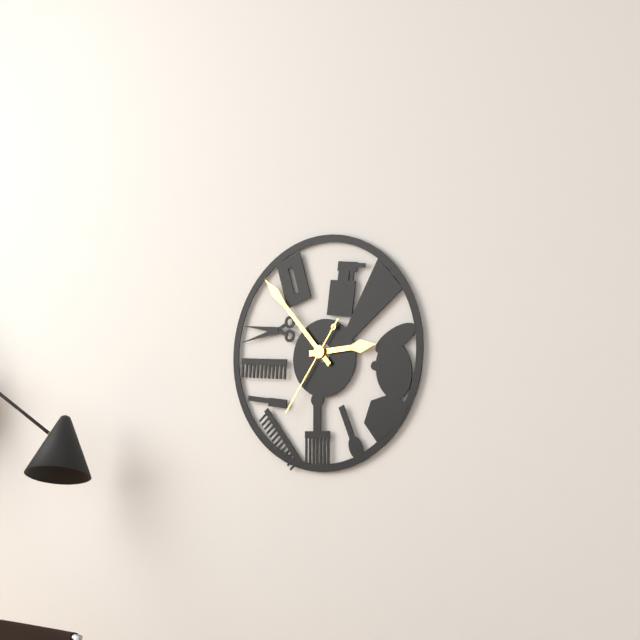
2:53:36
